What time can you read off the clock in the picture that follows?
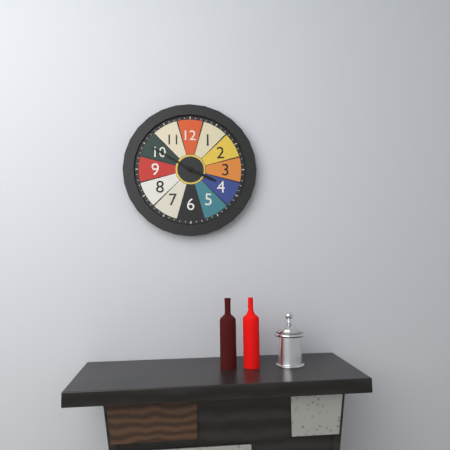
3:50
